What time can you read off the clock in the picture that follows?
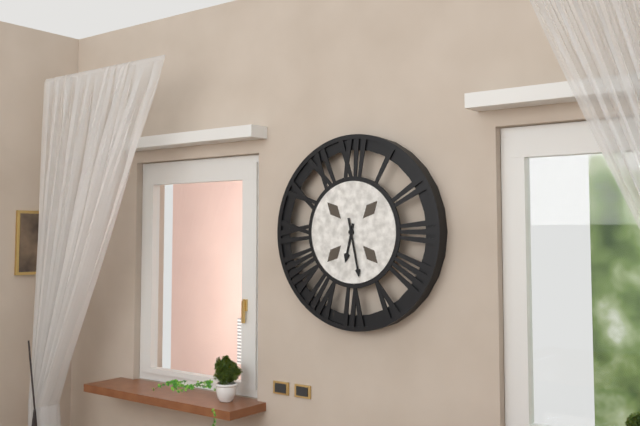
6:28
